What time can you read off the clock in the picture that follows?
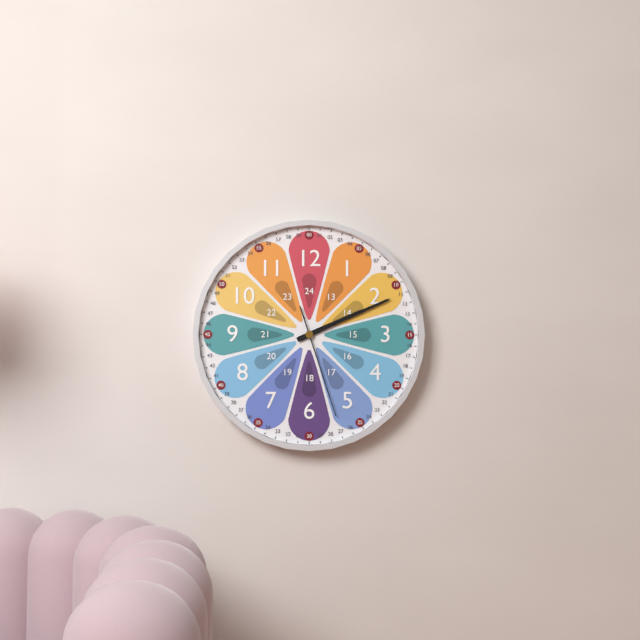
2:11:27
